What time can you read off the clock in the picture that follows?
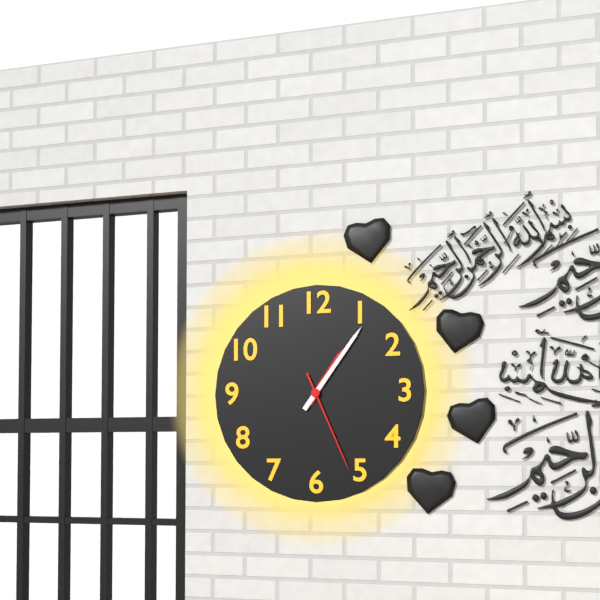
1:06:26
